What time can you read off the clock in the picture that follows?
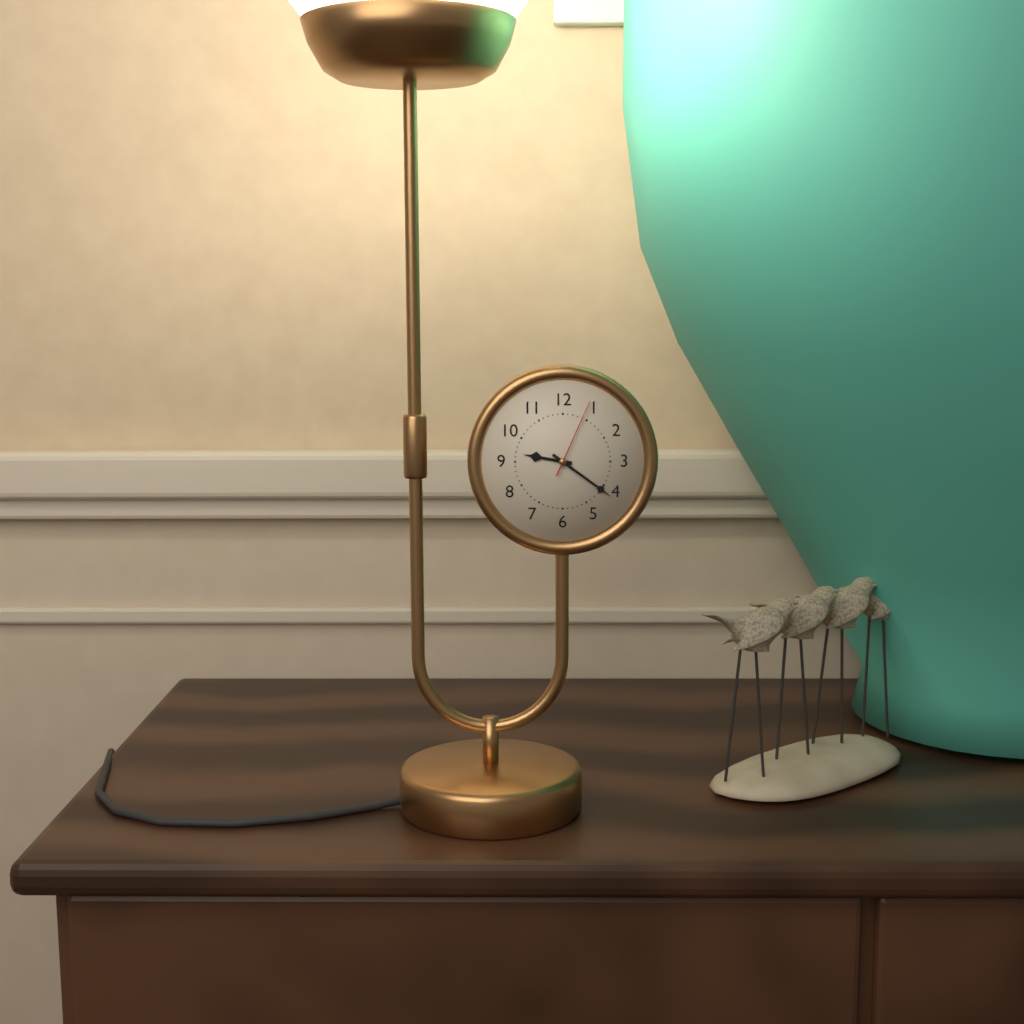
9:21:04
